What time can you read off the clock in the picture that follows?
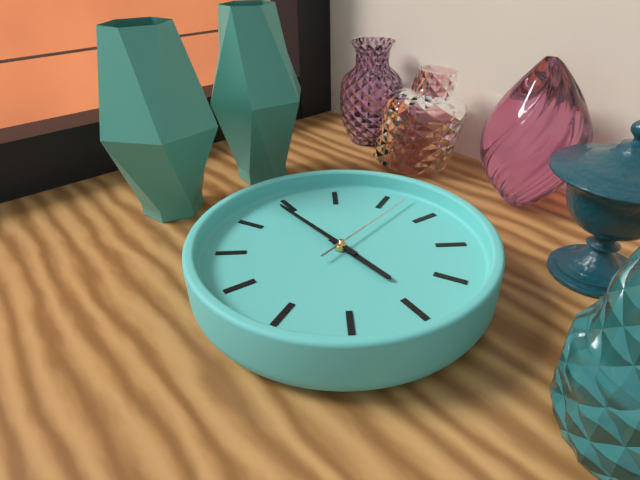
3:49:02
